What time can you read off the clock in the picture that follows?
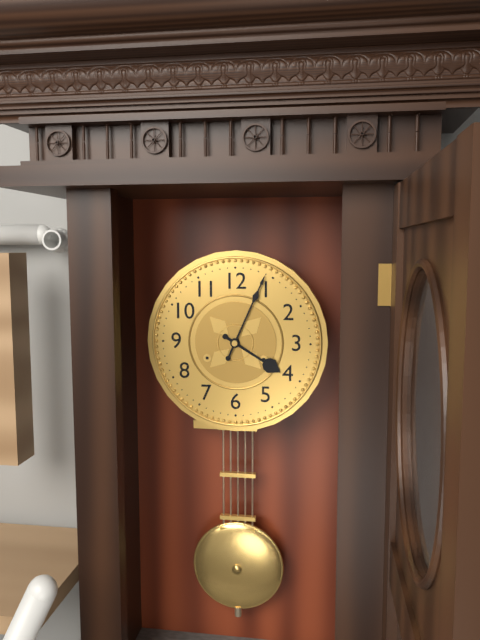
4:04
